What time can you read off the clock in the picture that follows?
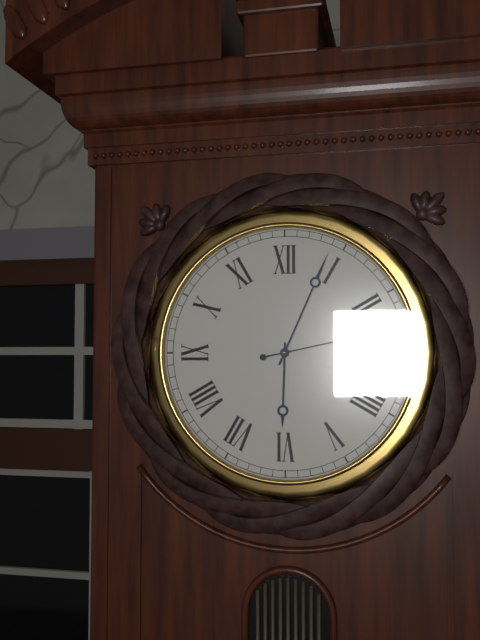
6:04:13
